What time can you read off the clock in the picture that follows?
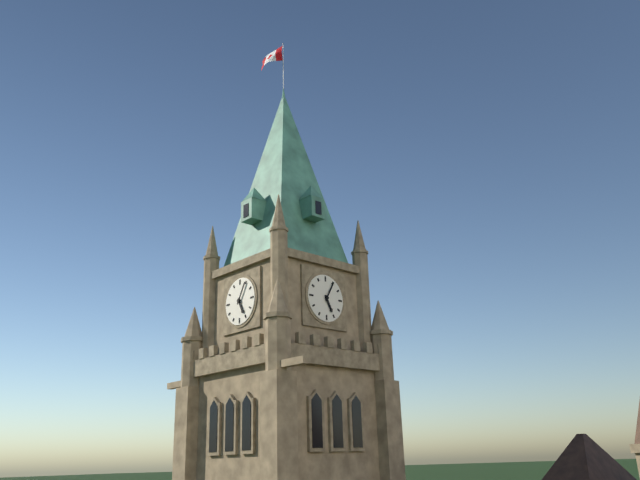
5:05
